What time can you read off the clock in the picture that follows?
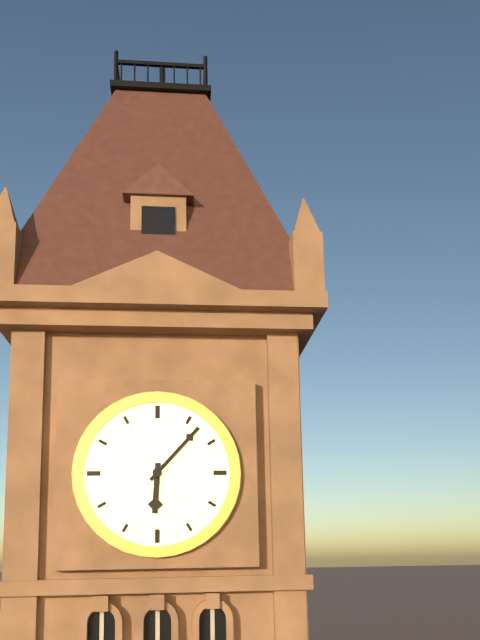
6:07
